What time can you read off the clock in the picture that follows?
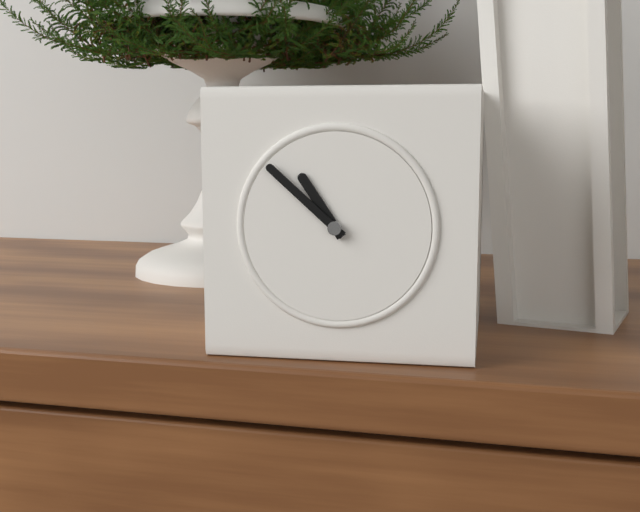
10:52
